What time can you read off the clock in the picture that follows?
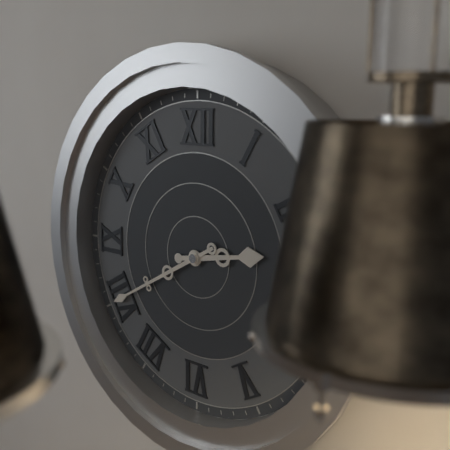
2:40
